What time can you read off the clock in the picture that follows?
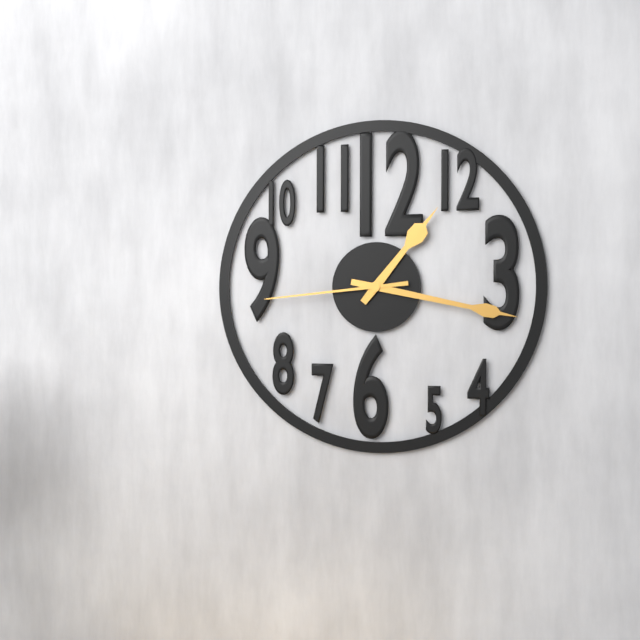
1:17:44
